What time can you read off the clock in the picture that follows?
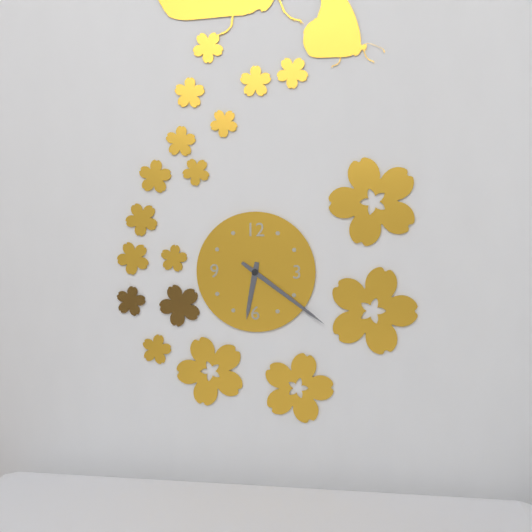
6:21
